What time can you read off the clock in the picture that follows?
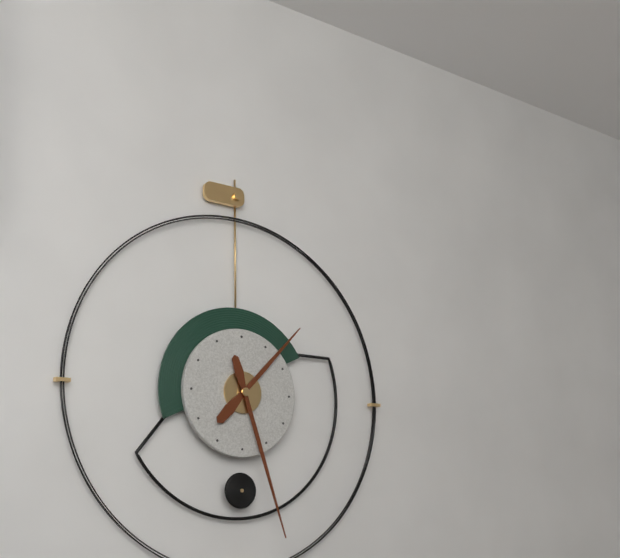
1:27
